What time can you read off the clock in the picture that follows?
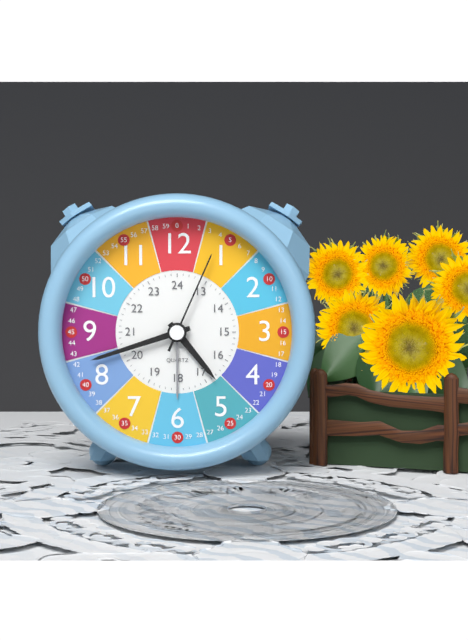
4:42:04
